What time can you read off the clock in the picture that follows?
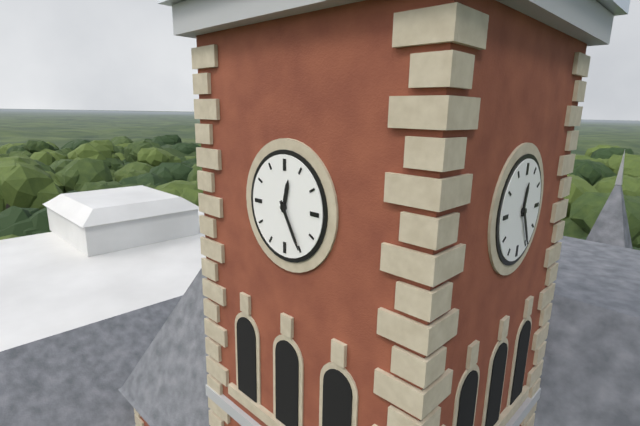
12:25
